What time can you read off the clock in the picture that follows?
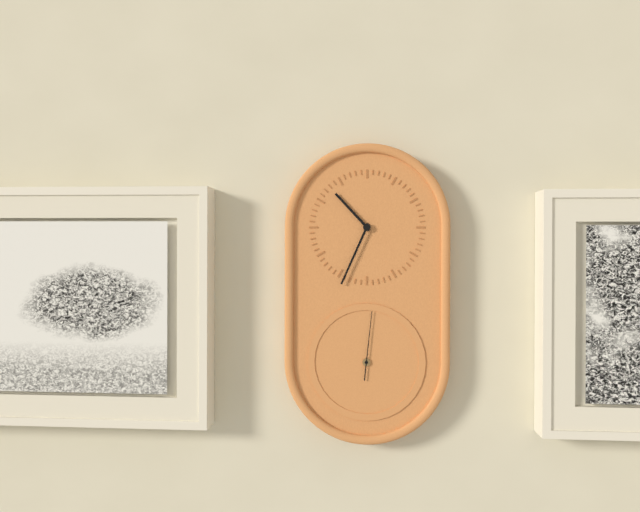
10:34:01
